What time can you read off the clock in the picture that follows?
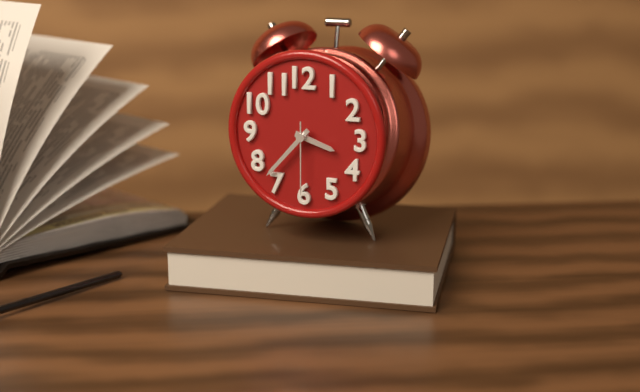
3:37:30
